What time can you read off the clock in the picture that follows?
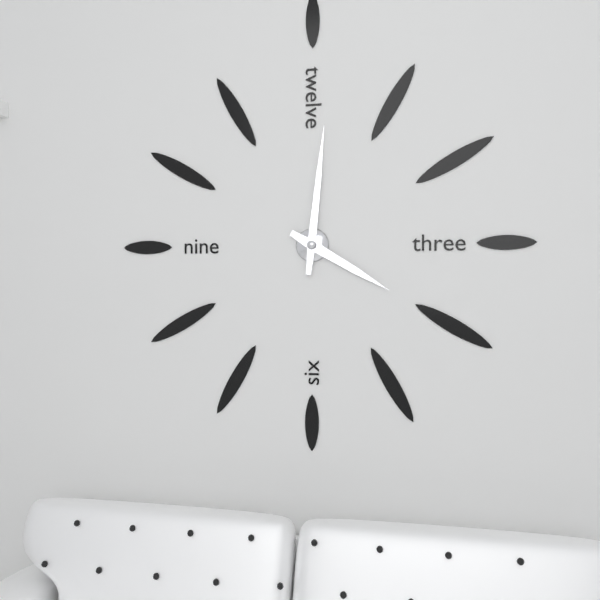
4:01
